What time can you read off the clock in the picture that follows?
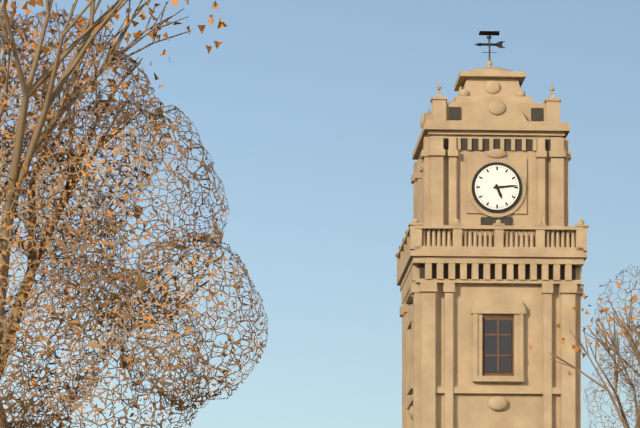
5:14
